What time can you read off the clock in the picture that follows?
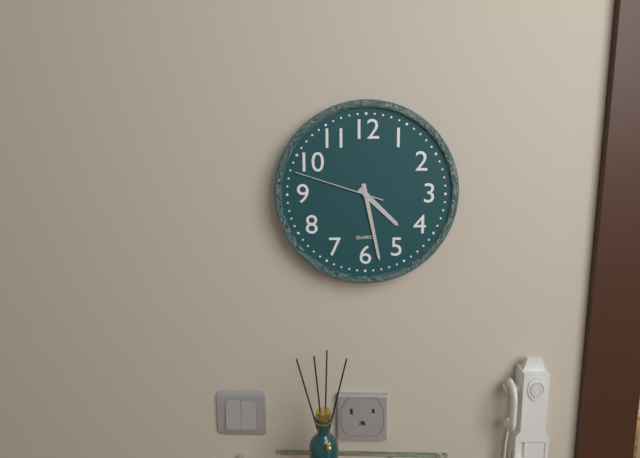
4:28:48
